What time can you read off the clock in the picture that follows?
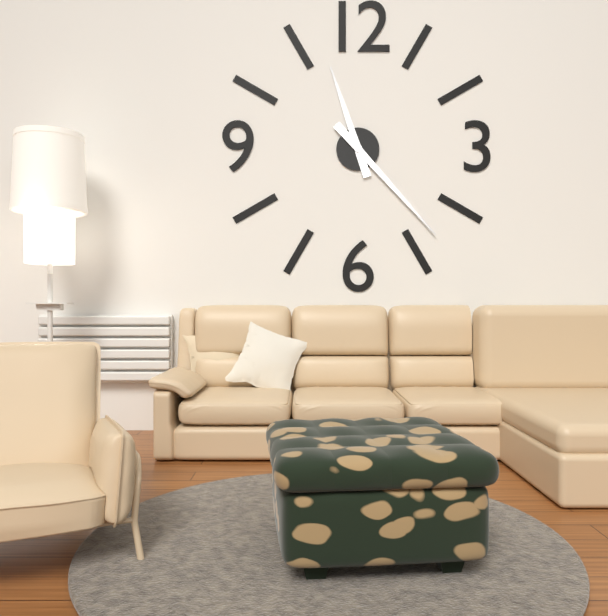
11:23
